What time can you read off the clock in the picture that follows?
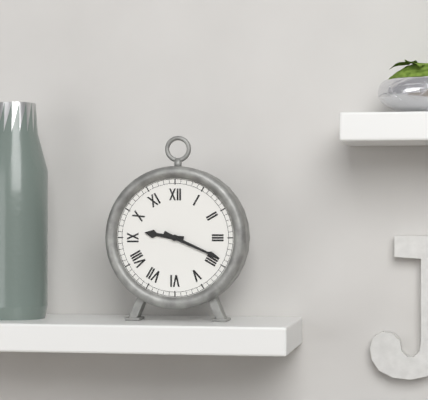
9:19
